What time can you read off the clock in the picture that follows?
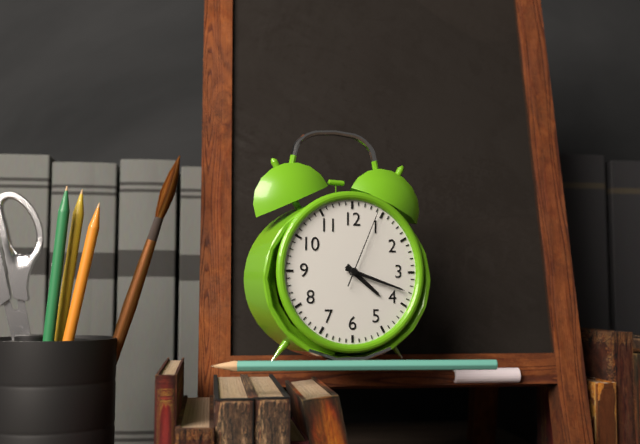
4:18:04
